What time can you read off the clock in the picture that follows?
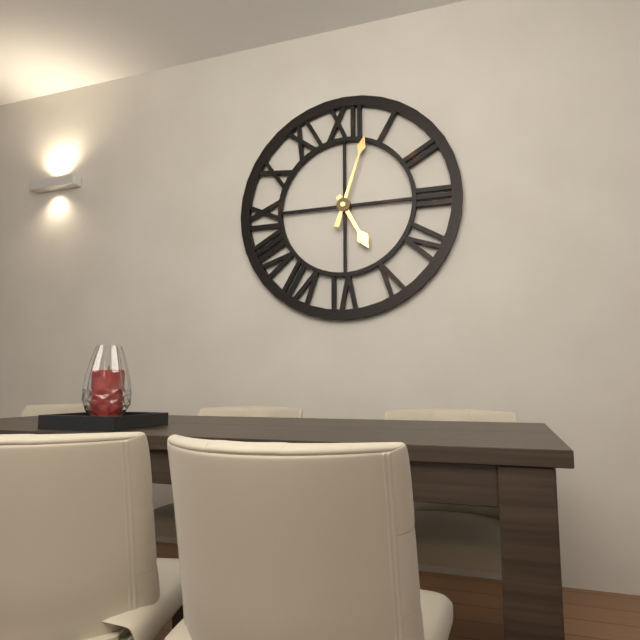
5:03
